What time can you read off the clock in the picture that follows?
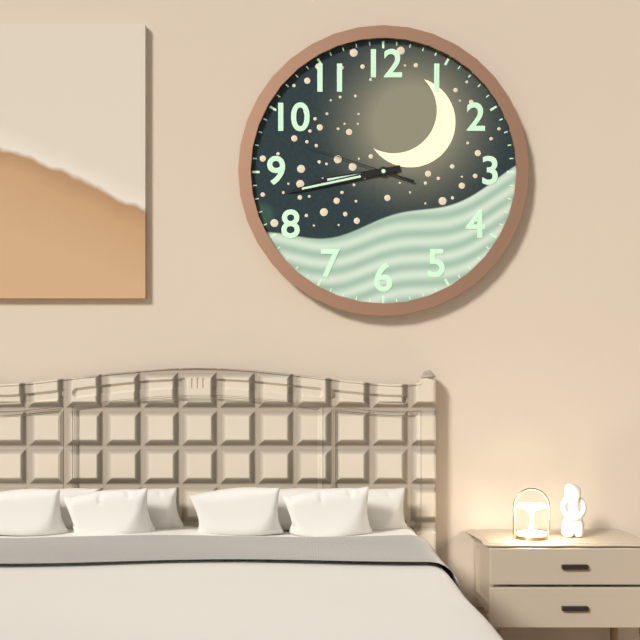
8:43:48
